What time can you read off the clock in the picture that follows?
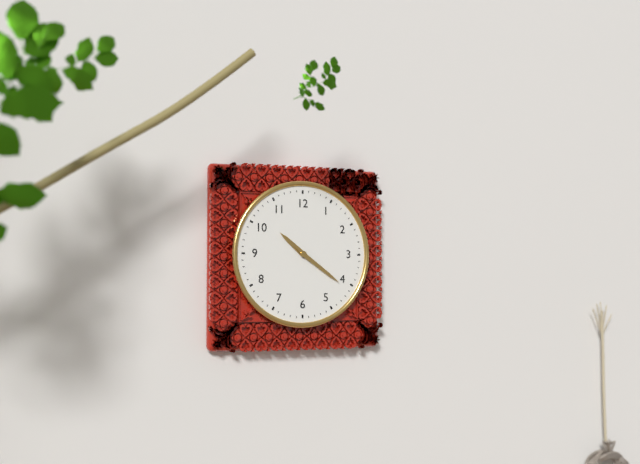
10:21
